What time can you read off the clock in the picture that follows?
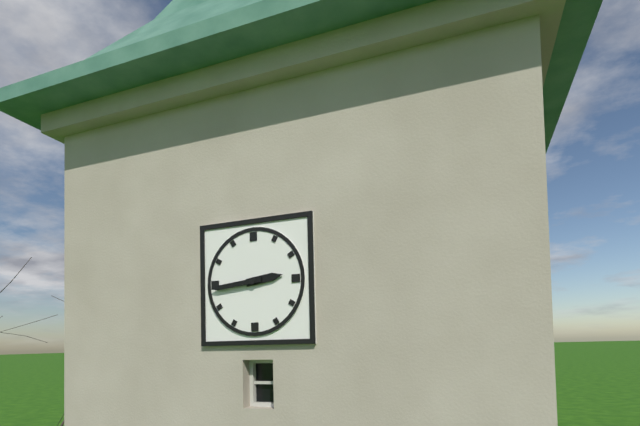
2:44
